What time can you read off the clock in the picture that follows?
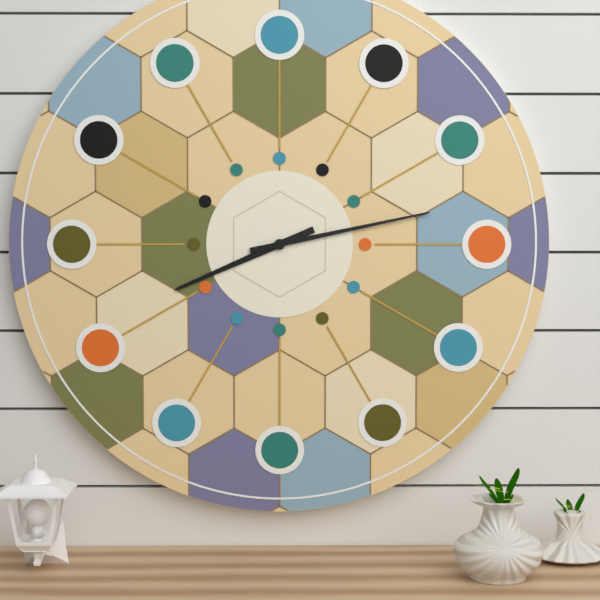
8:13
